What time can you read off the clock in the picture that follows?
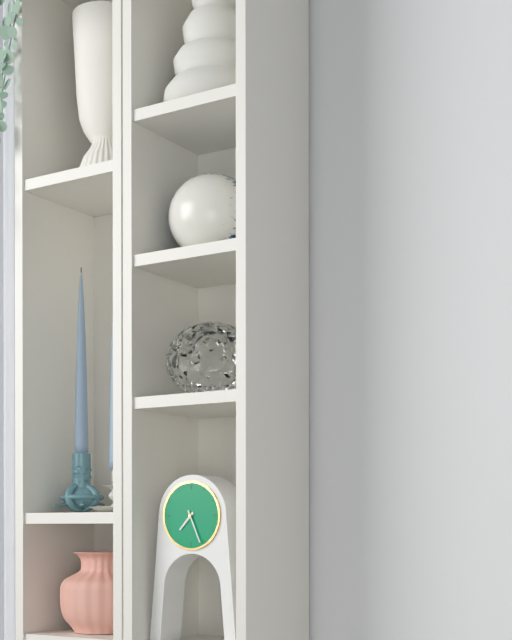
7:26
